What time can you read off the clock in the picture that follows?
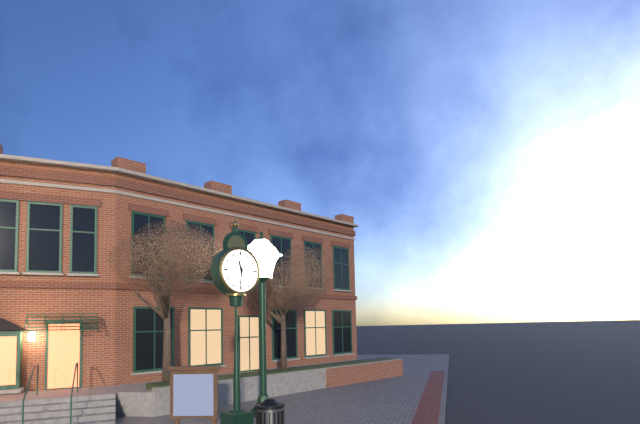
11:31
